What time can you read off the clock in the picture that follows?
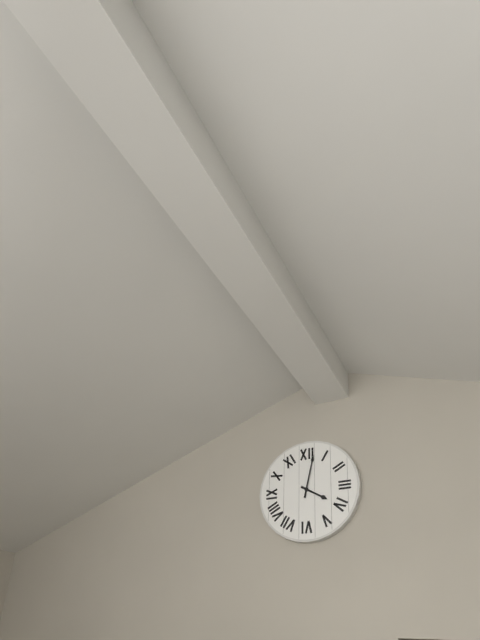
4:02
